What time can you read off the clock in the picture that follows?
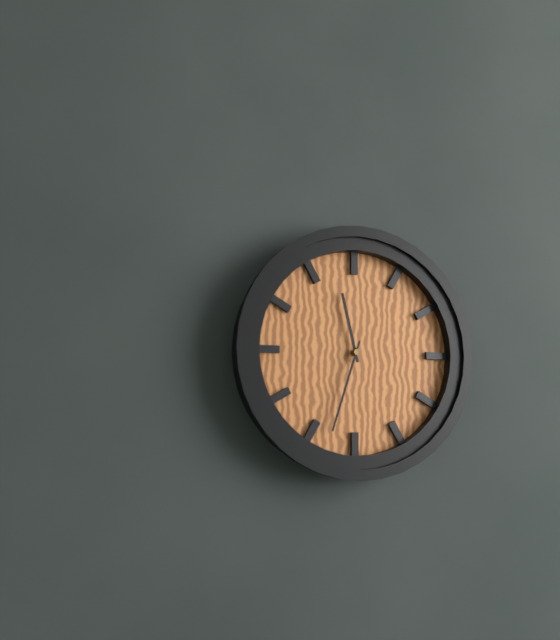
11:33
